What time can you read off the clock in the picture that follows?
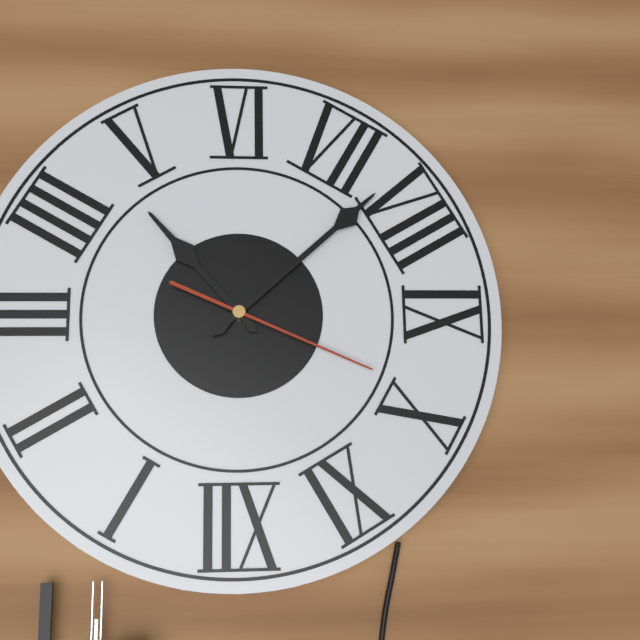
4:38:49
